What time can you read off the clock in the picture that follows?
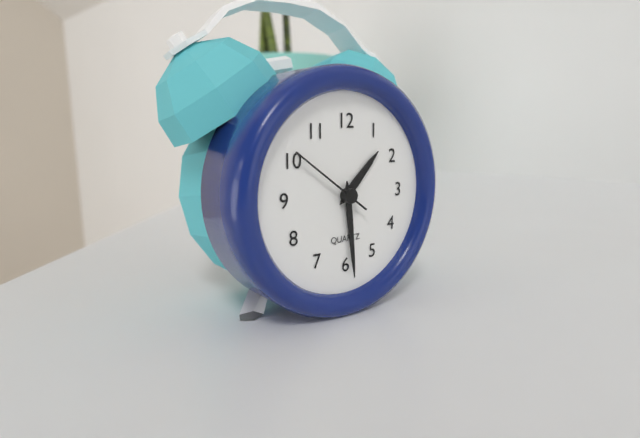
1:29:51
